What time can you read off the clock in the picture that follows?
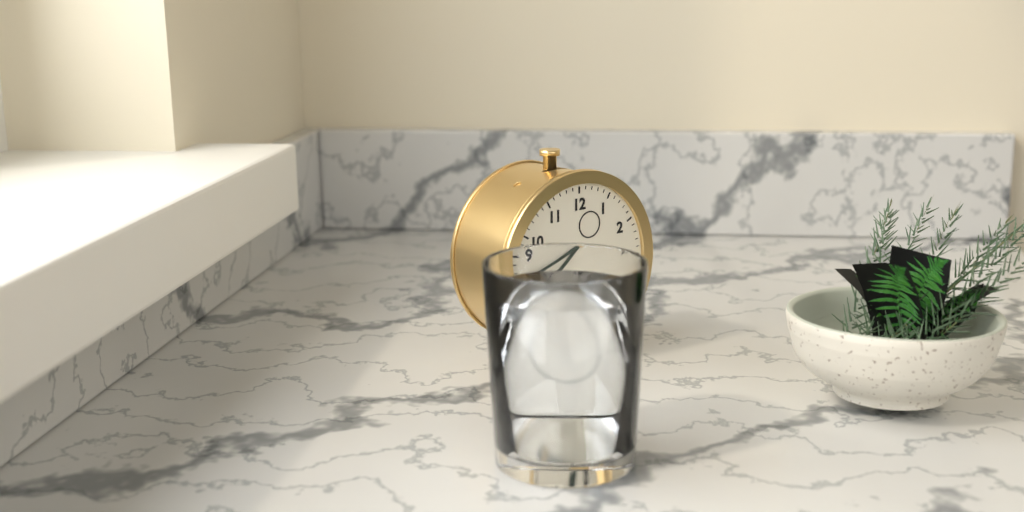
7:42
